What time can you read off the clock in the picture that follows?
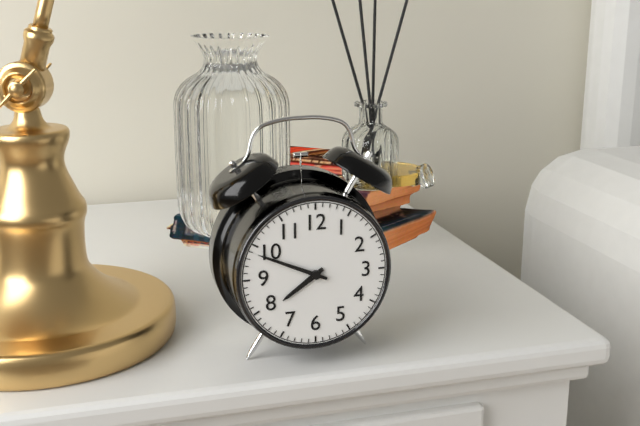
7:49
